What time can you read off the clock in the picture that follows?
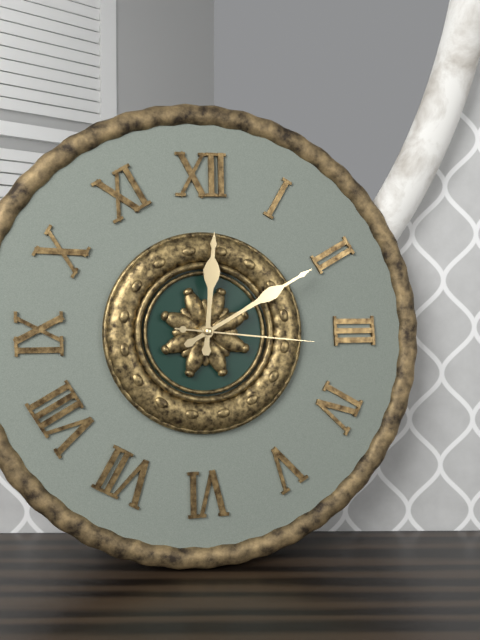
12:10:16
